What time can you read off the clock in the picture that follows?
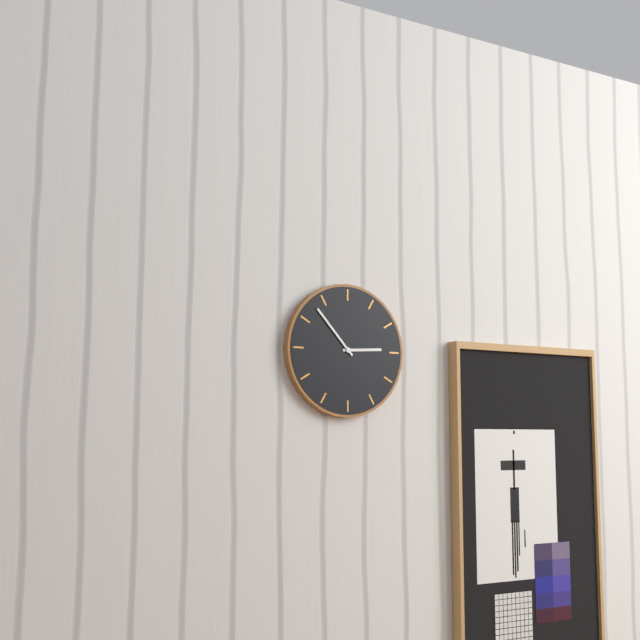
2:53
